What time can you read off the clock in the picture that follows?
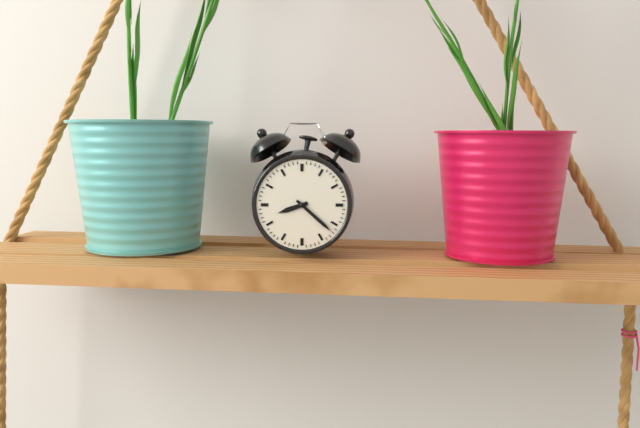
8:22
